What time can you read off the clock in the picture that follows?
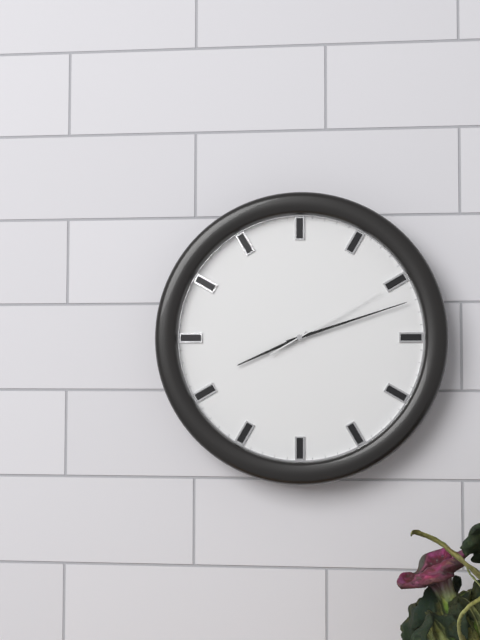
8:12:10
